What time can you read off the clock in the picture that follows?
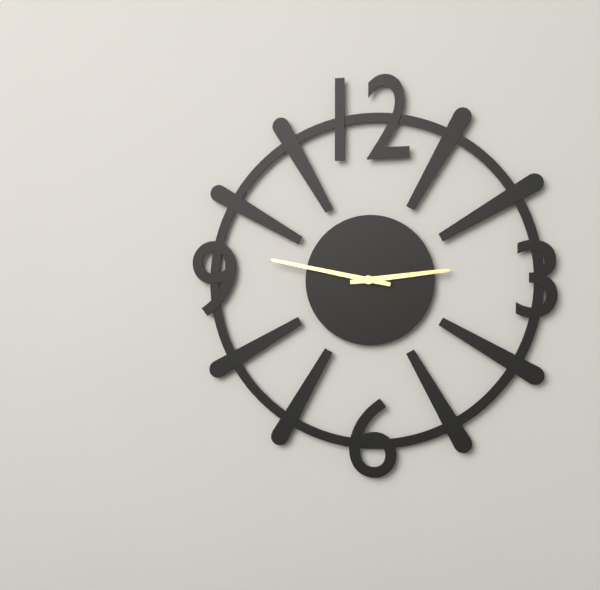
2:47
